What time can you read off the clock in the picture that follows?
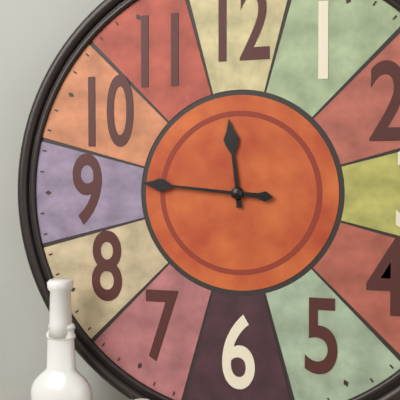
11:46
